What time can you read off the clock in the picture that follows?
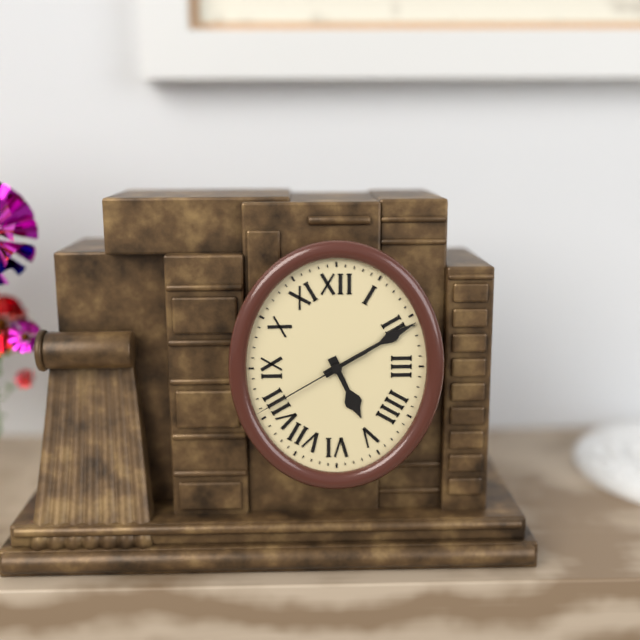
5:10:40
